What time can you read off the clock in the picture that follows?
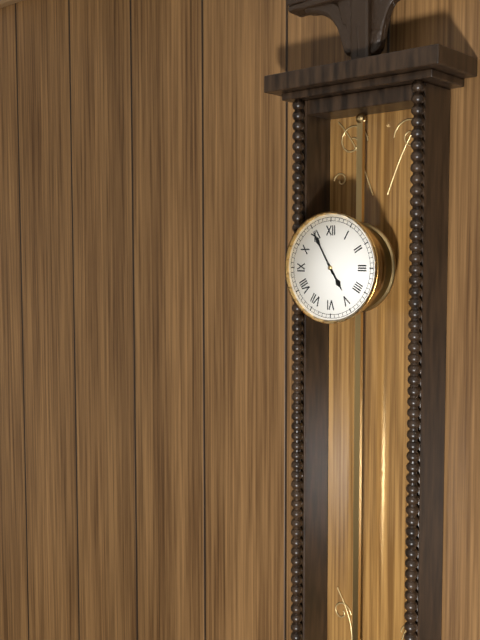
4:55
